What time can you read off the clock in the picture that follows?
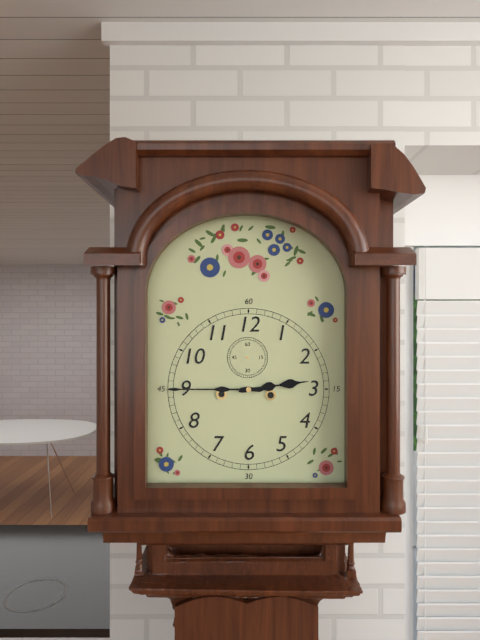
2:45
